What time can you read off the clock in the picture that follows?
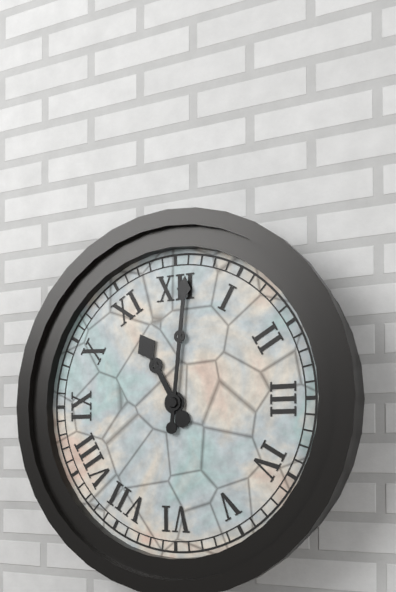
11:01
